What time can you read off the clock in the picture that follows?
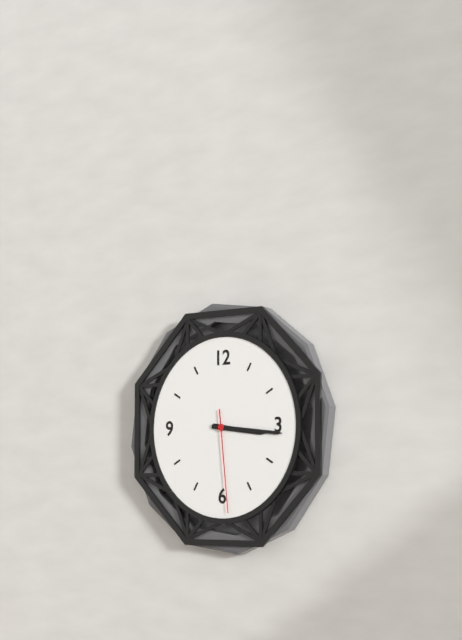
3:16:29
